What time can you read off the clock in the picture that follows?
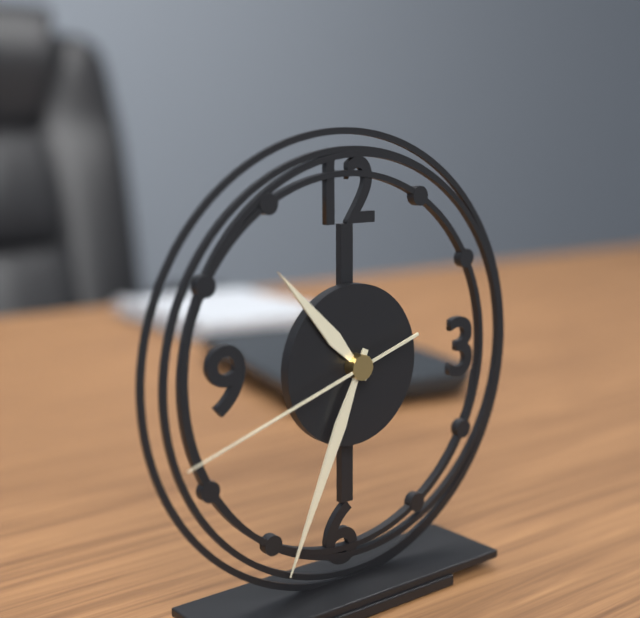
10:34:42
